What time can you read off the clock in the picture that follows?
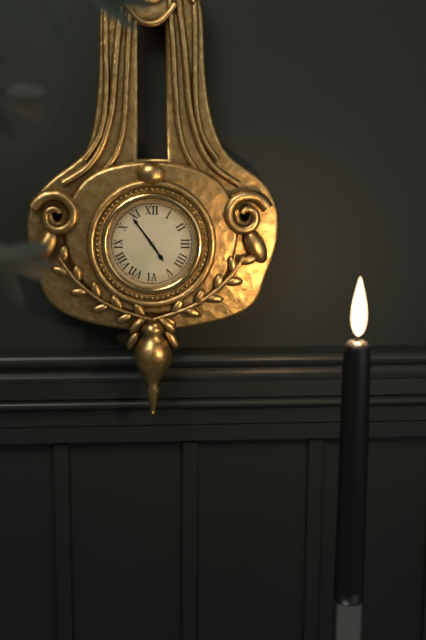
4:54
